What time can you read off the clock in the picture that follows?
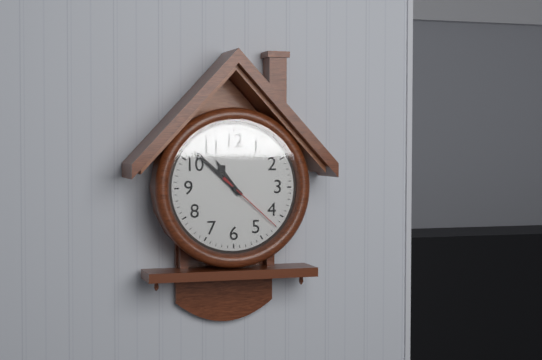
10:52:22
